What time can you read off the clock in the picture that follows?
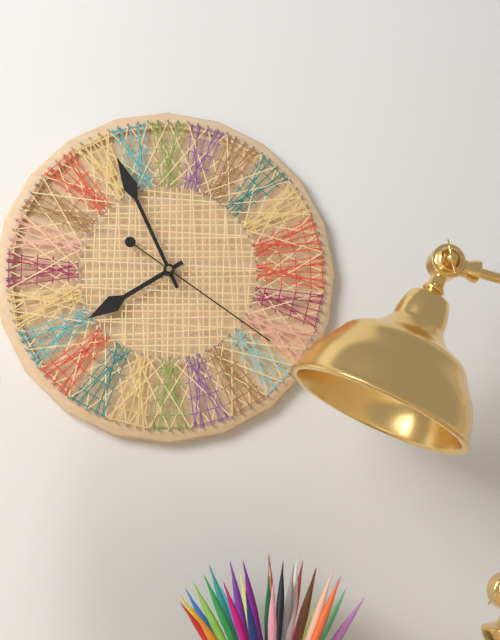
7:56:21
